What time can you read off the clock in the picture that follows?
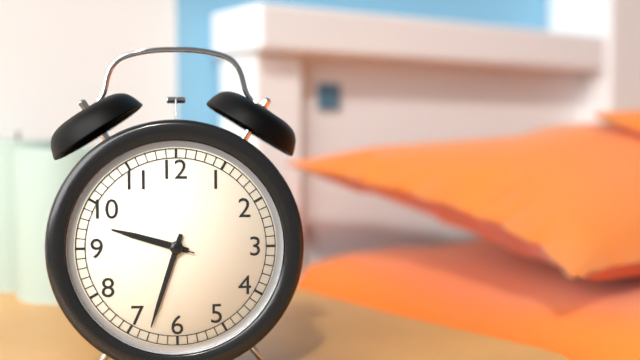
9:33:48
